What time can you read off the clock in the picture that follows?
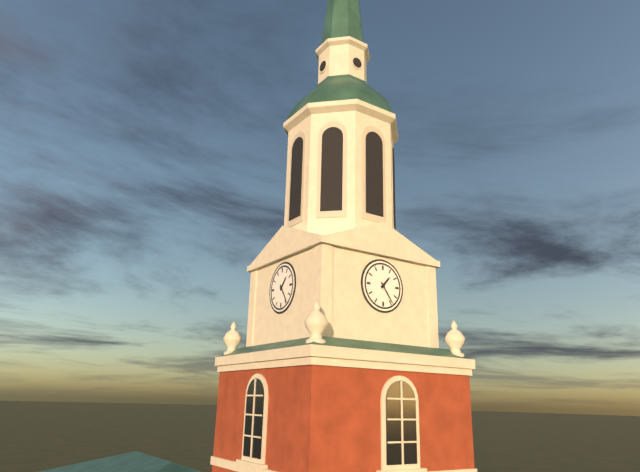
1:24
